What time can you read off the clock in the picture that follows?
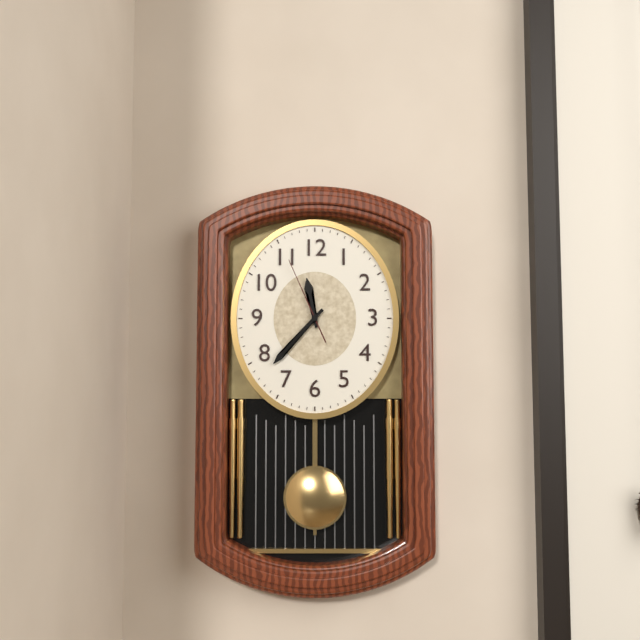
11:37:56
